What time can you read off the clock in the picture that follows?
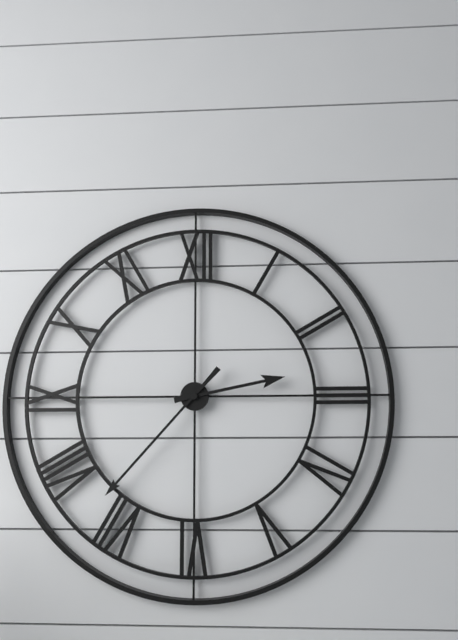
2:37
